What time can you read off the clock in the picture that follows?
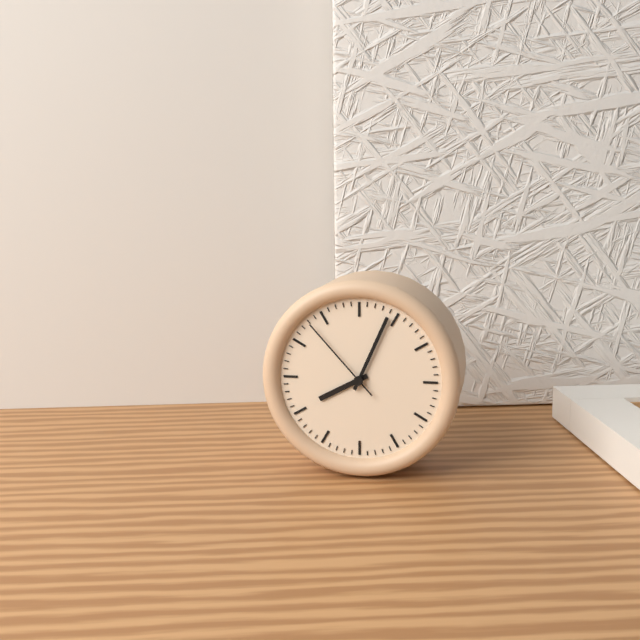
8:04:53
